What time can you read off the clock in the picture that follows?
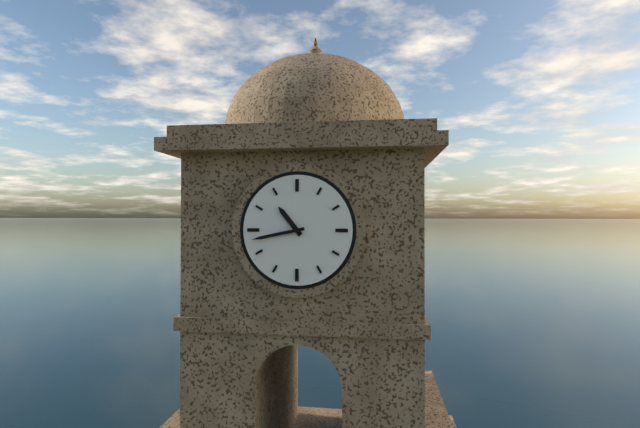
10:43
